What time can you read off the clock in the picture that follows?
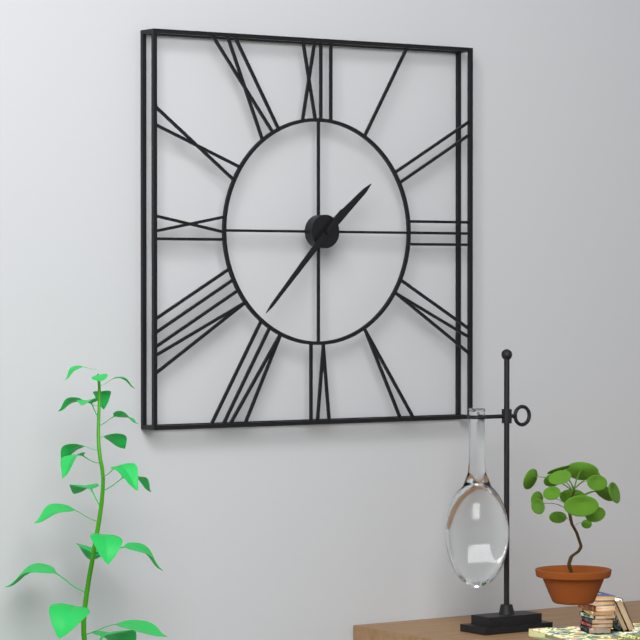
1:37
